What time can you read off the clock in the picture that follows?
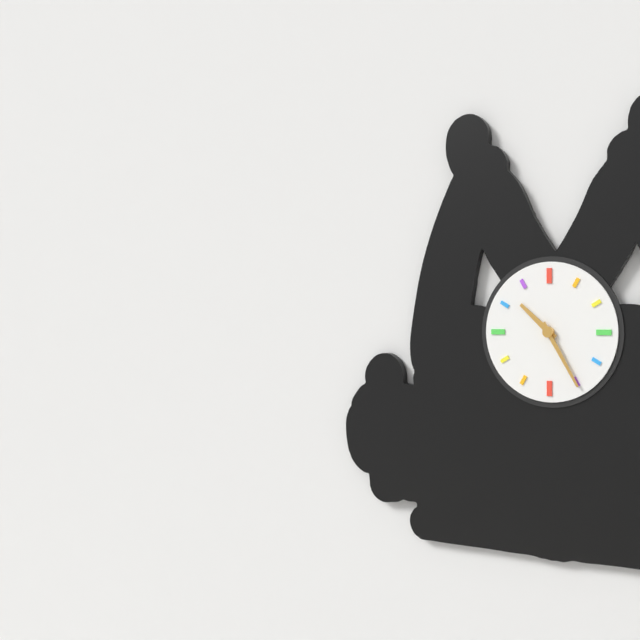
10:25
